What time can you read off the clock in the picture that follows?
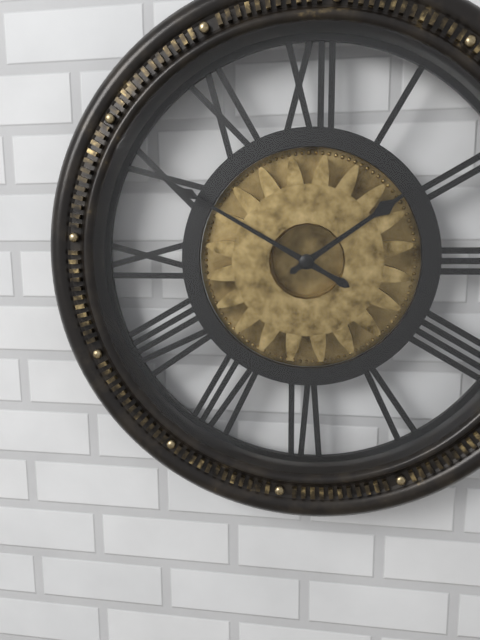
1:50
